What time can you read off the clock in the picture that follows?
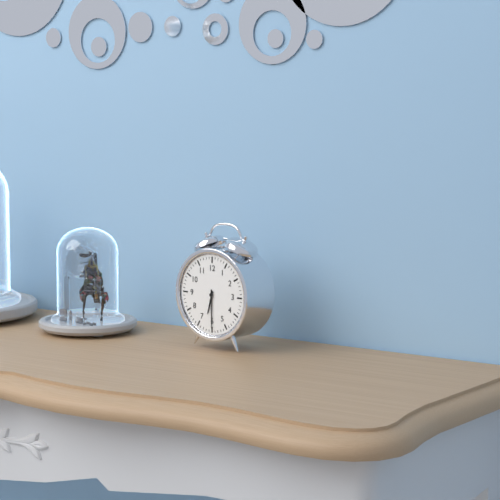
6:30
